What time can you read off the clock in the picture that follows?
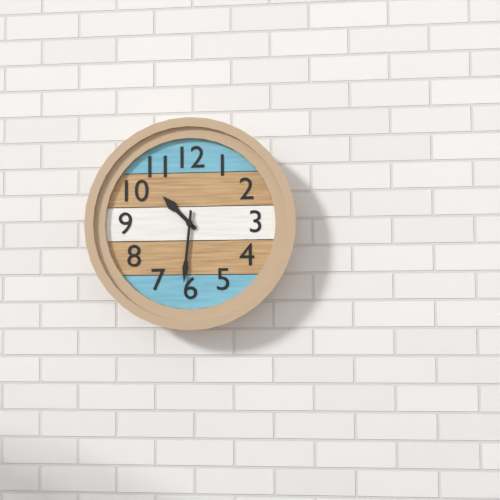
10:31
